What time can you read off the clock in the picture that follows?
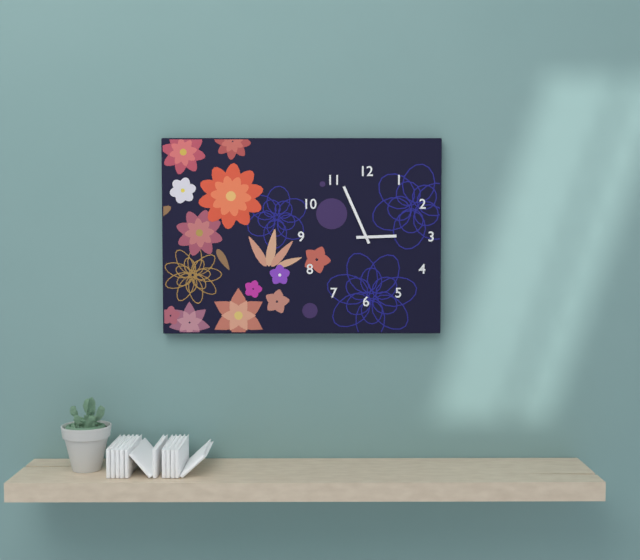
2:56
